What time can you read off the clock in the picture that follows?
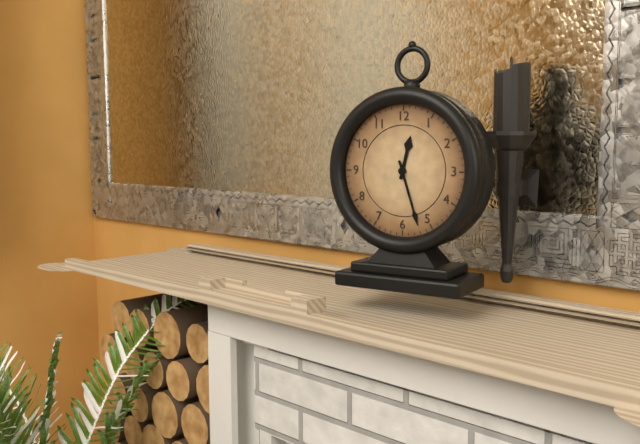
12:27
